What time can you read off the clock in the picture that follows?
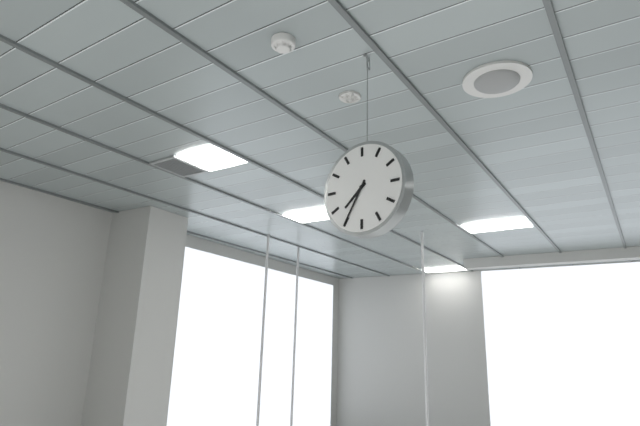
7:35
